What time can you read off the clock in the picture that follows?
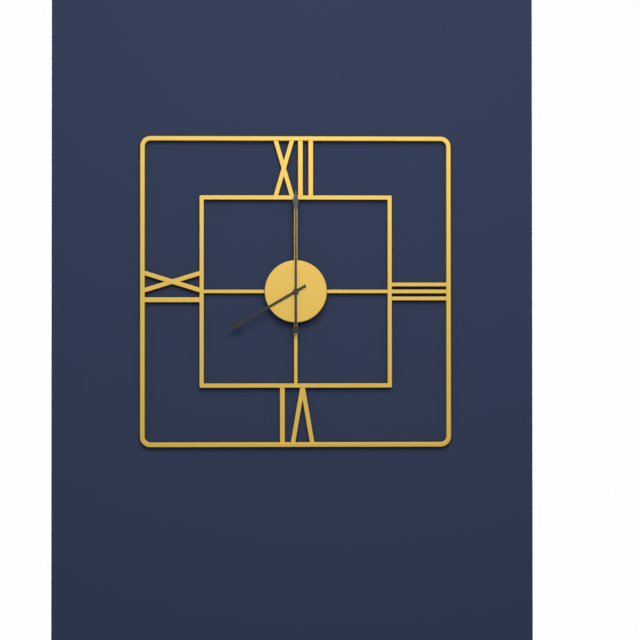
8:00
